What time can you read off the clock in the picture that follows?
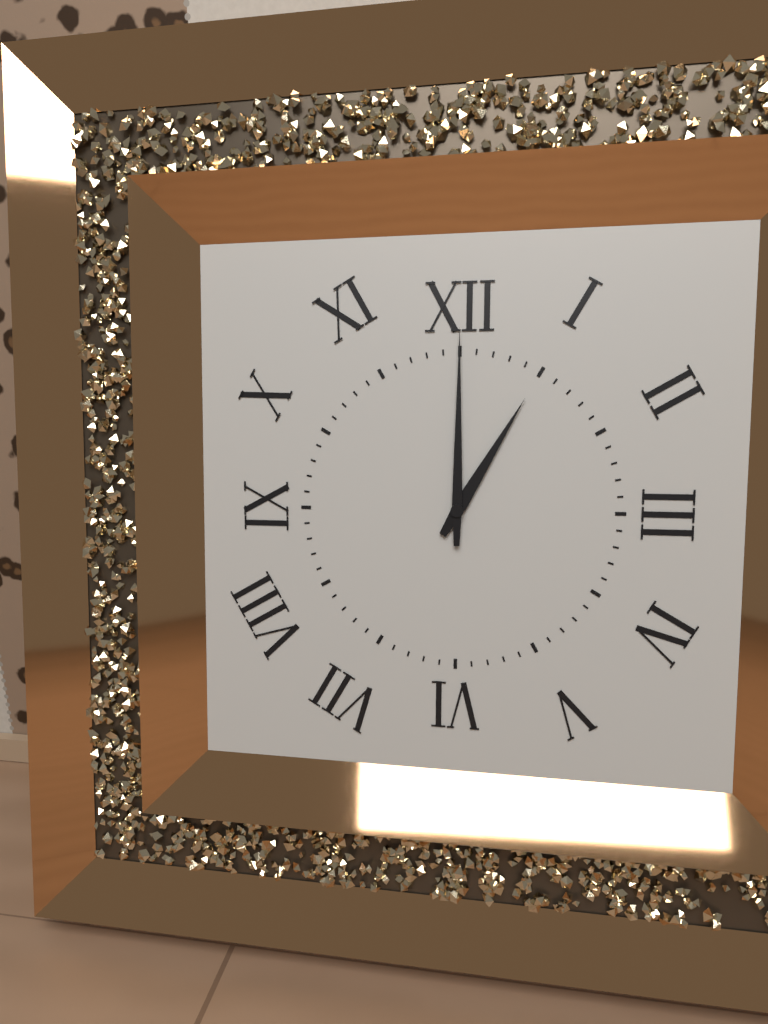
1:00
